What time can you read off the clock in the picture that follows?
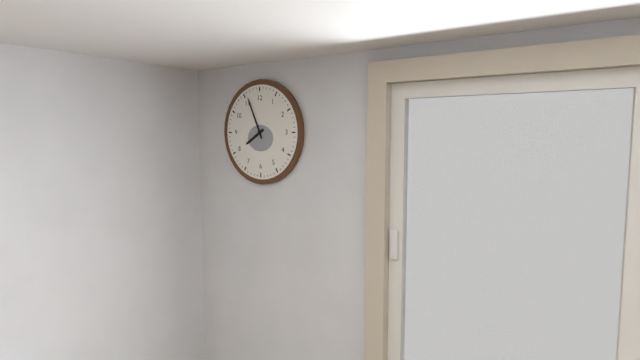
7:56
